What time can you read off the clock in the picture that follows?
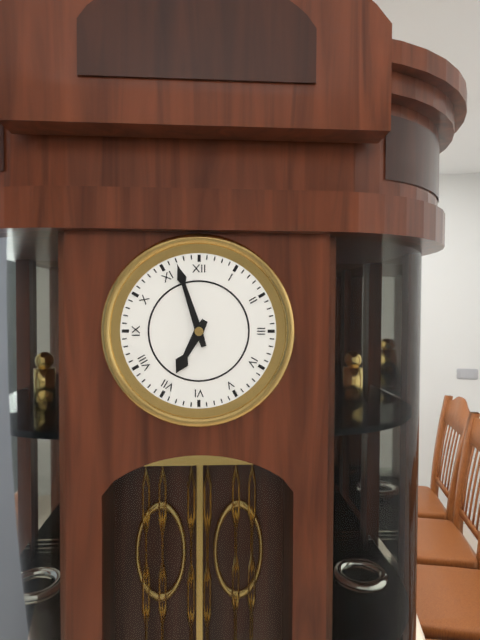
6:57
